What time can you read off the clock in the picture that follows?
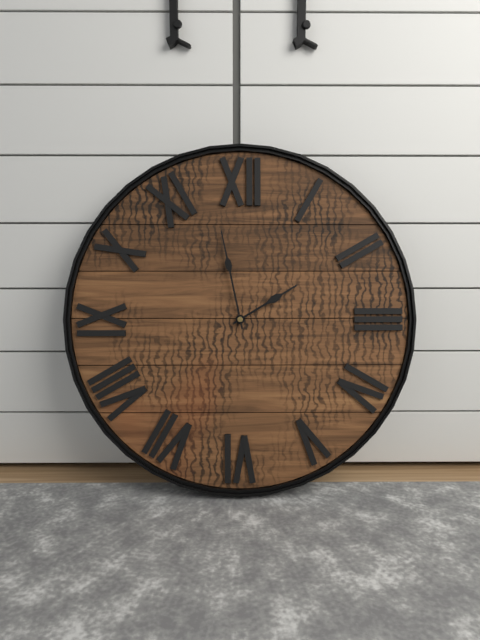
1:58
